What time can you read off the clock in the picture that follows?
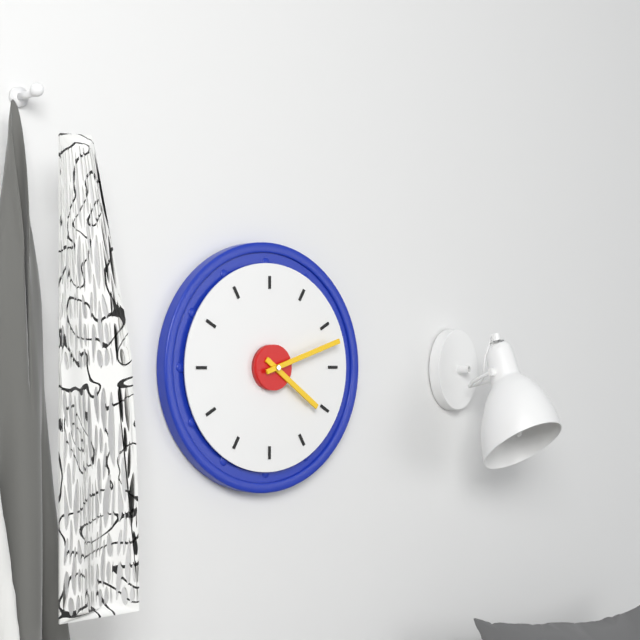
4:12
